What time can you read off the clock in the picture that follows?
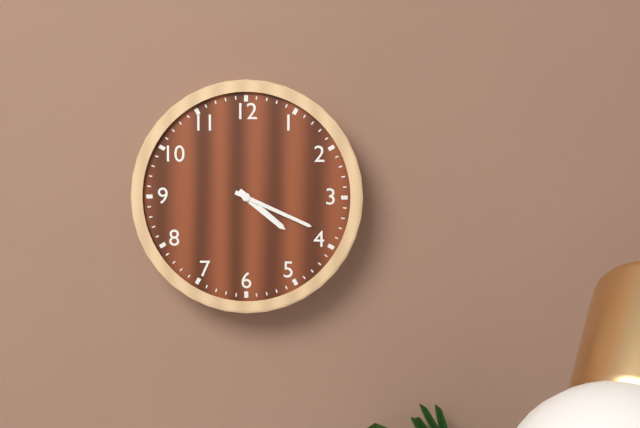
4:19
